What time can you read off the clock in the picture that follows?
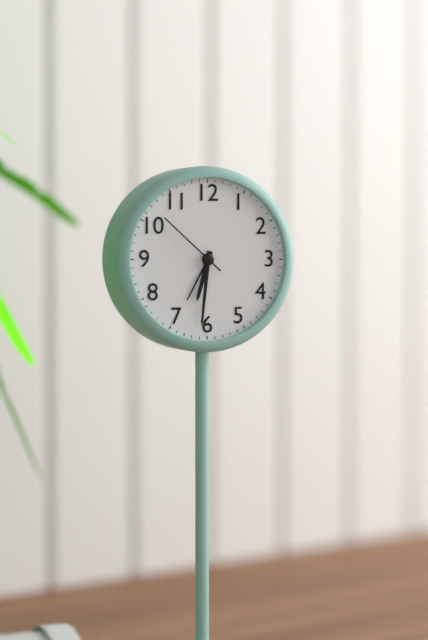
6:31:52
